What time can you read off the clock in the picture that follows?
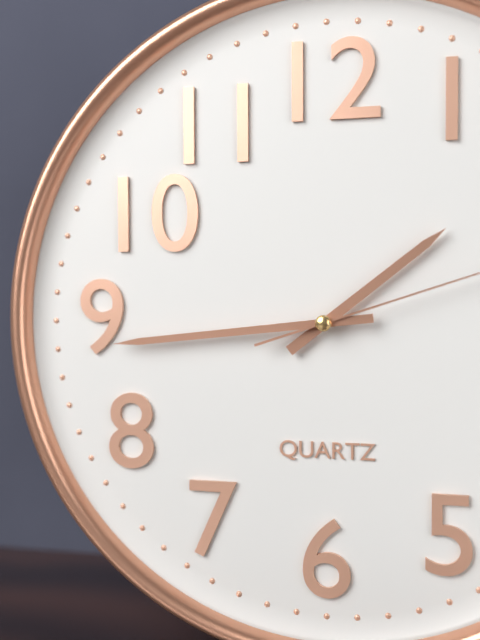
1:44
